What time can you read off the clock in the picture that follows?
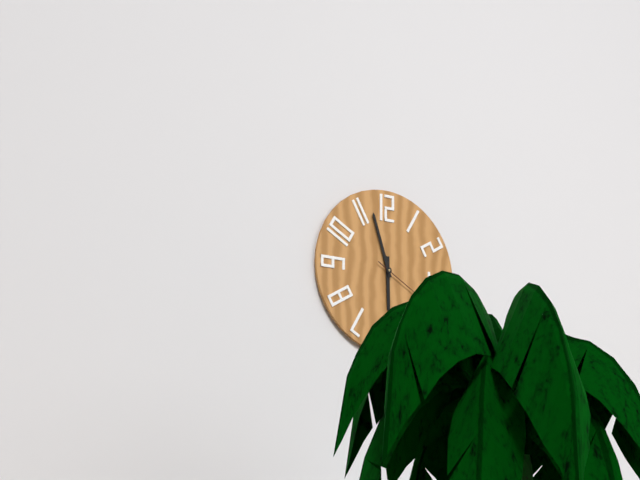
5:57
